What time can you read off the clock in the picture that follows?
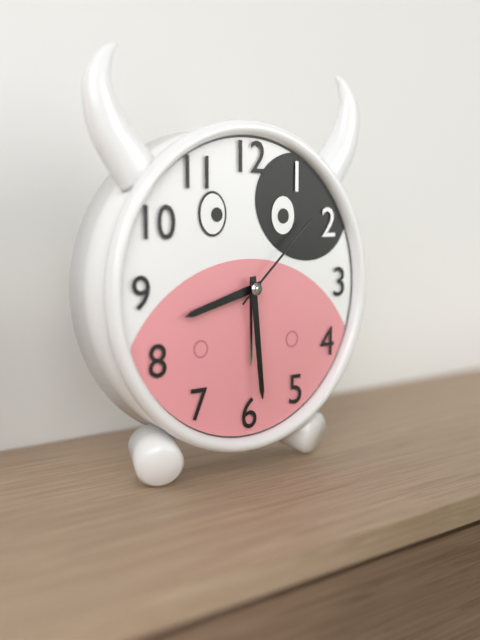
8:29:08
